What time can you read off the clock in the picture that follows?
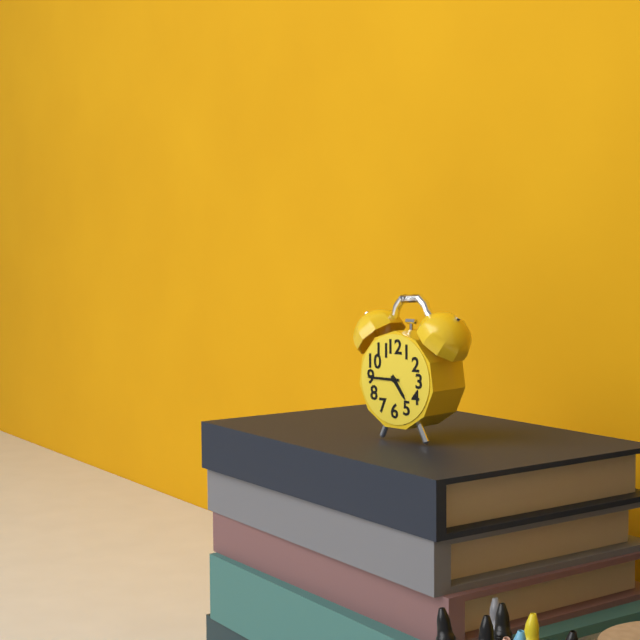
4:45
